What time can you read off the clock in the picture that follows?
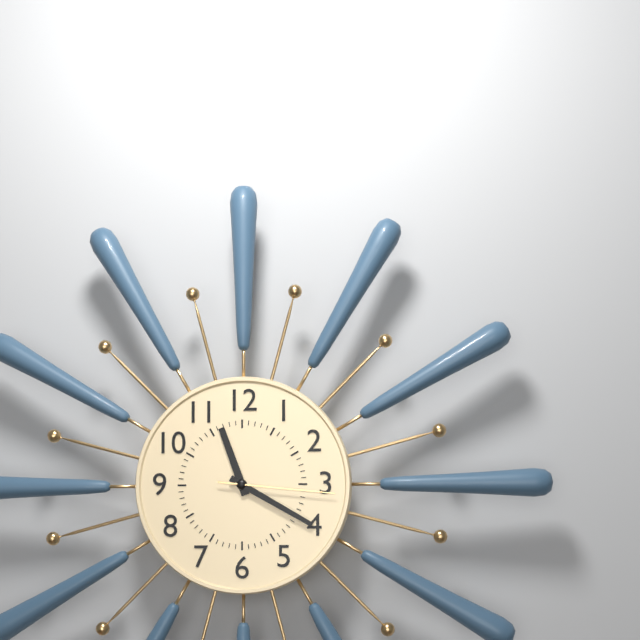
11:20:16
